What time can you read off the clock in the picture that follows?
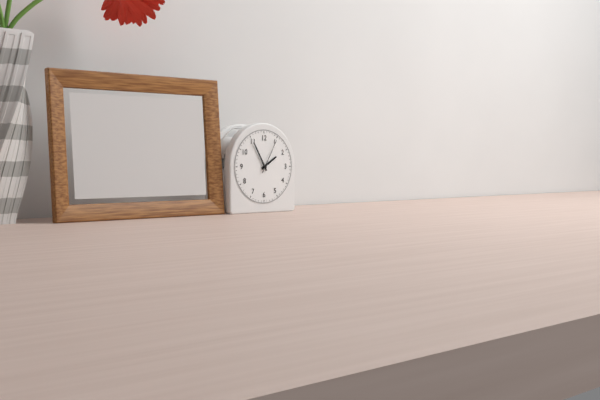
1:55
